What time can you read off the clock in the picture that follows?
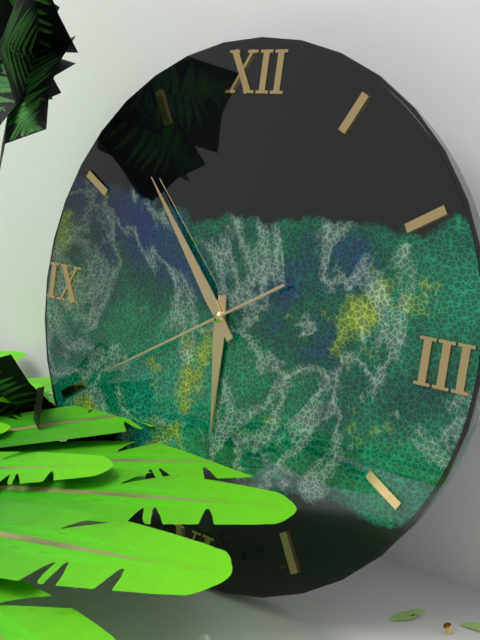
5:53:40
